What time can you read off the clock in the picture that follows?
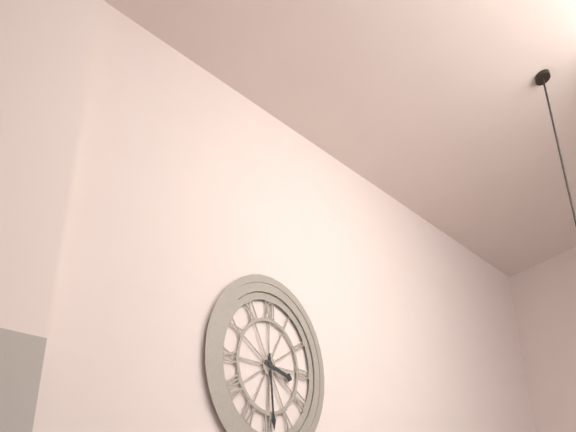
3:29
